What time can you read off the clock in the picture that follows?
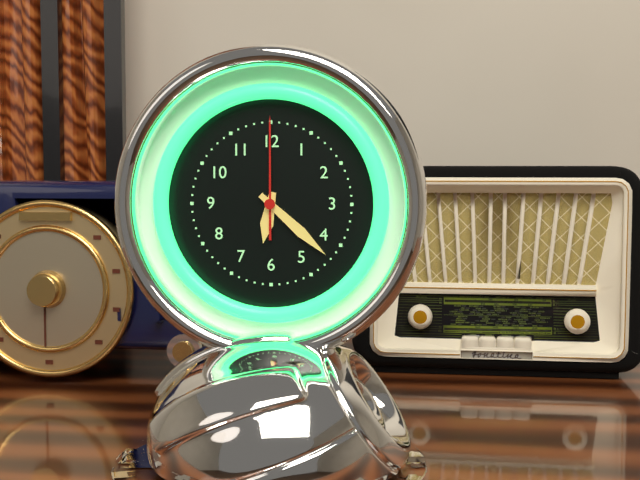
6:22:00
